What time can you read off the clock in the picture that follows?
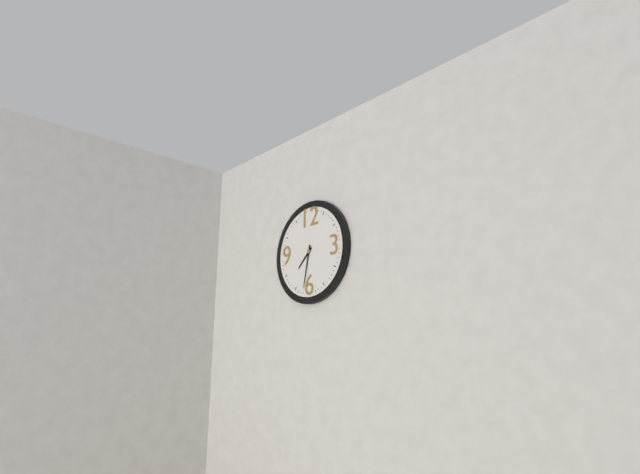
7:32
